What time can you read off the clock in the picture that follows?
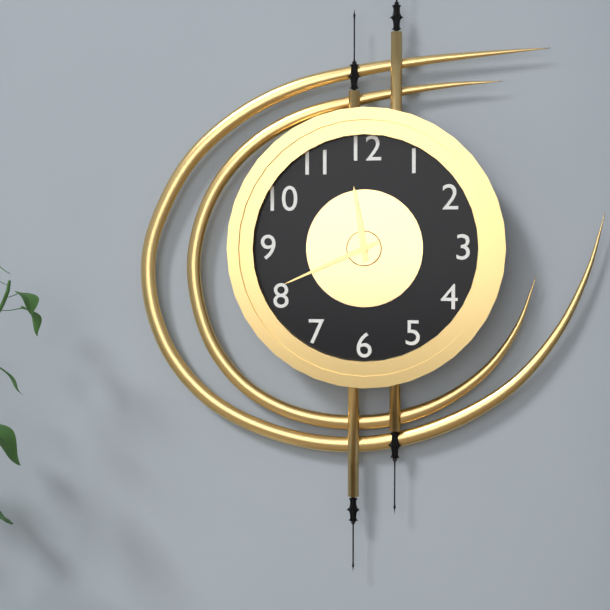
11:41
